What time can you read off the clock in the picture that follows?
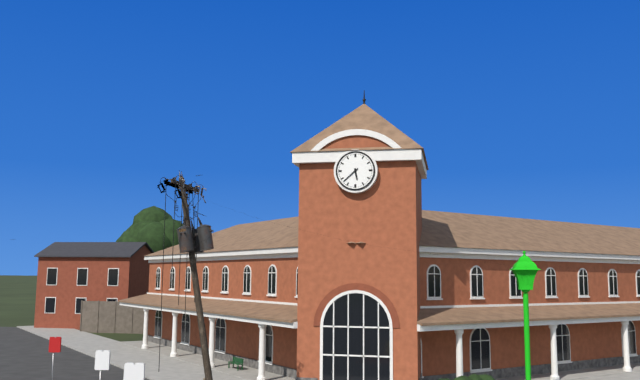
5:38
